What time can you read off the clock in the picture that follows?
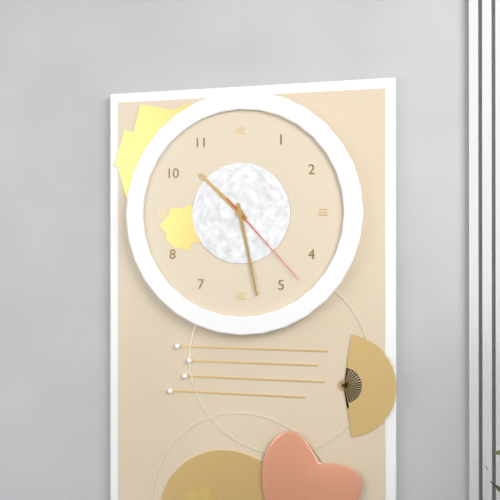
10:28:23
